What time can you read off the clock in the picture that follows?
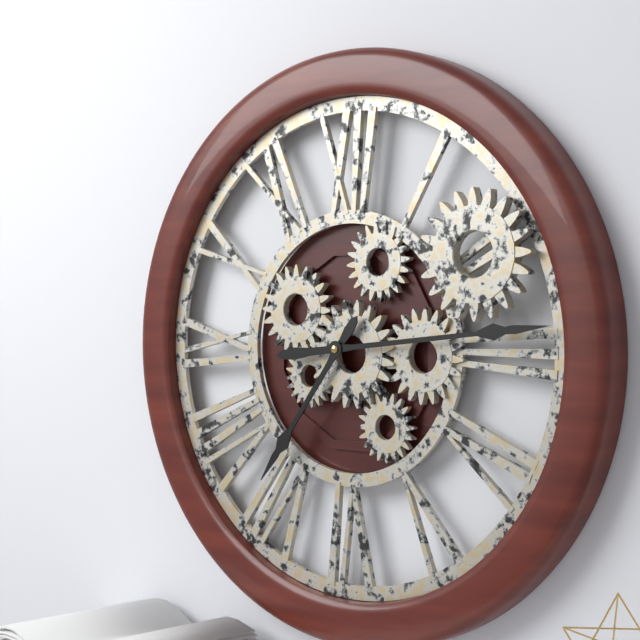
7:14
